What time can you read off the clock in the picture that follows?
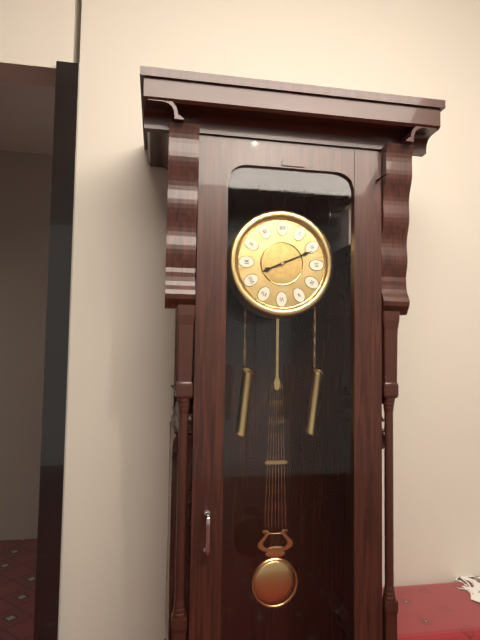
8:11
